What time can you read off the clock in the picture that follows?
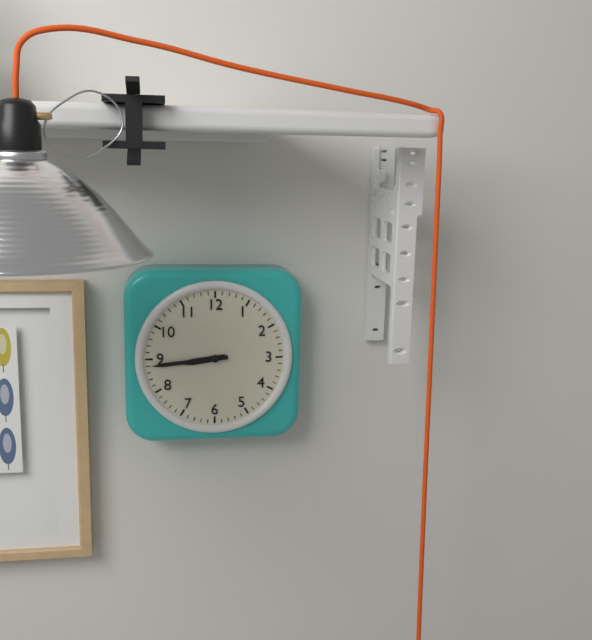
8:44
